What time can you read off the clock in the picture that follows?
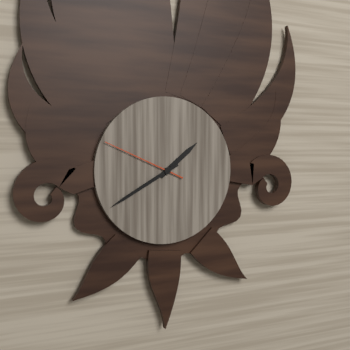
1:40:49
